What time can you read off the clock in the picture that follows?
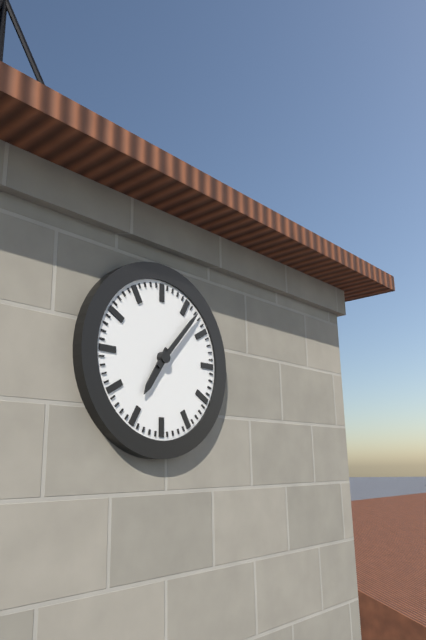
7:07
